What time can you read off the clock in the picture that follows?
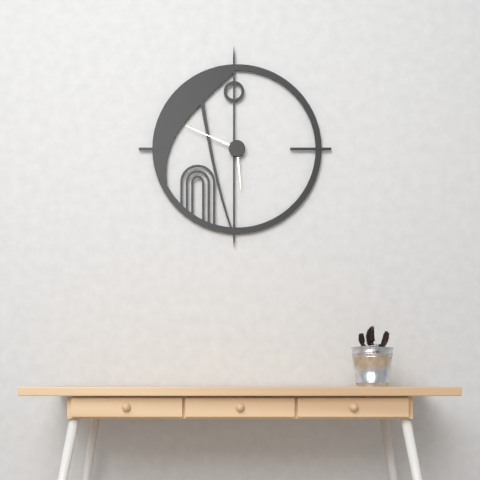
5:49
